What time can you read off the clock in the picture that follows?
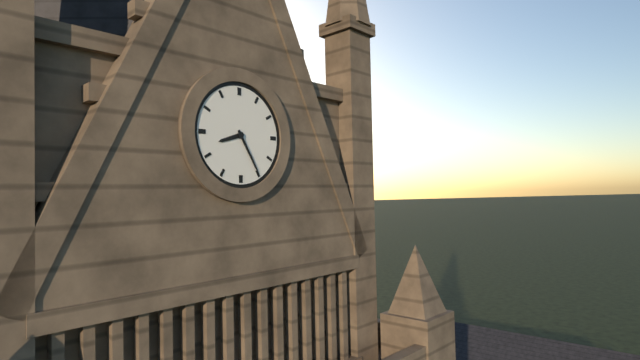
8:25
